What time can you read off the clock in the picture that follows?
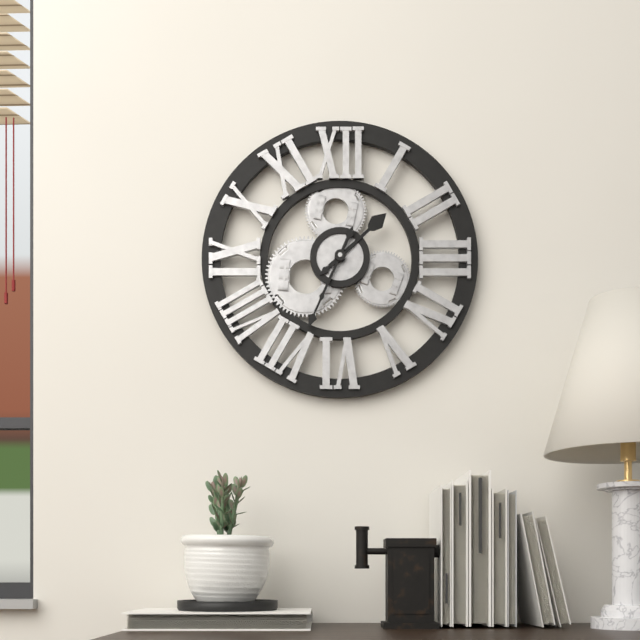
1:34
